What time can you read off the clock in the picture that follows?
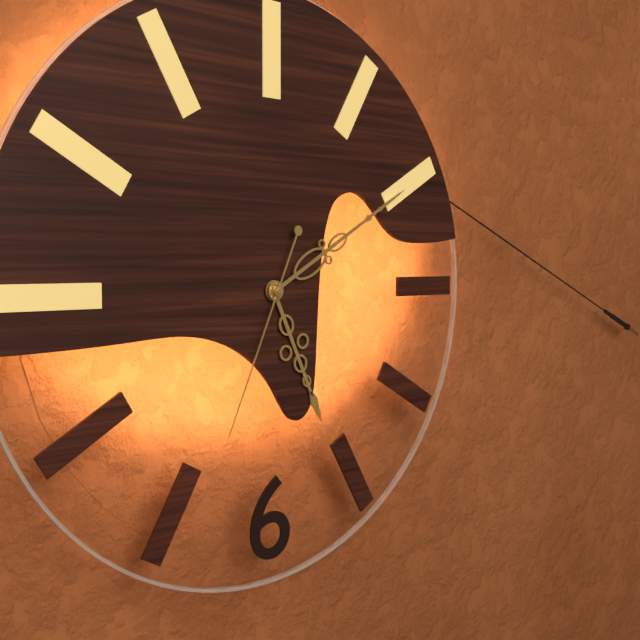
5:10:34
